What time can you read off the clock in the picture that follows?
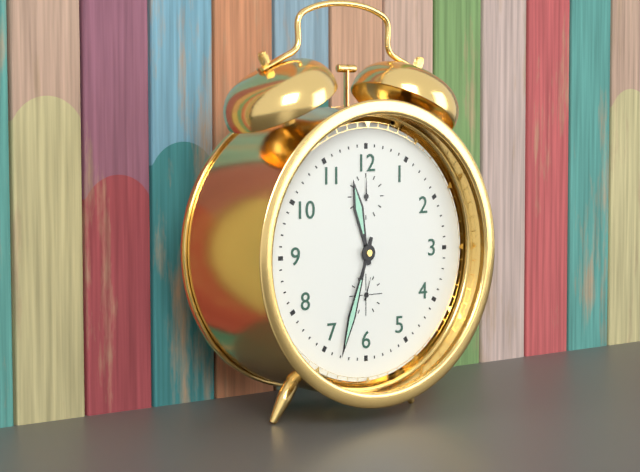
11:33
